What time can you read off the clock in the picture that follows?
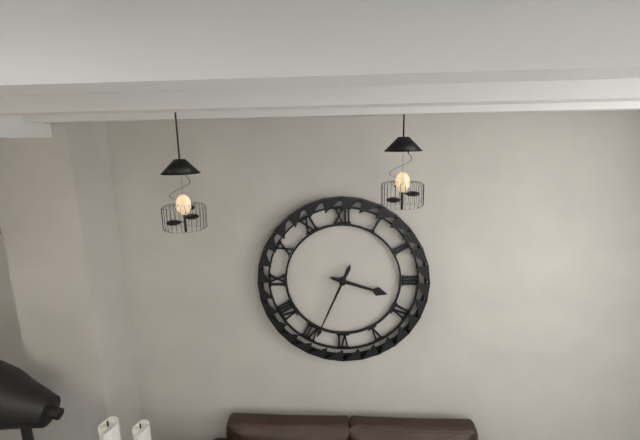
3:34
